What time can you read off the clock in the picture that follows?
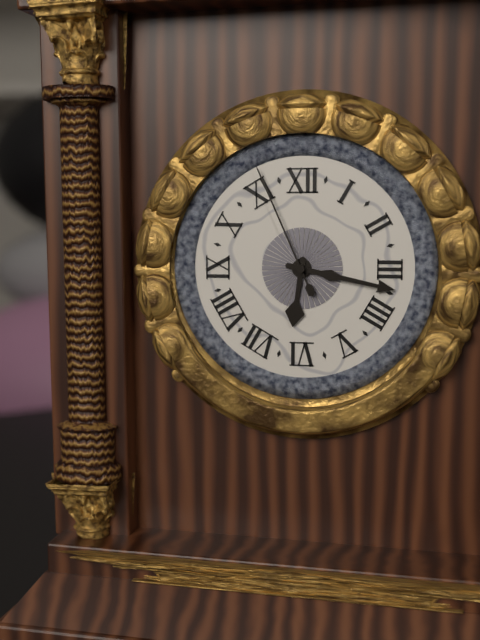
6:17:56
